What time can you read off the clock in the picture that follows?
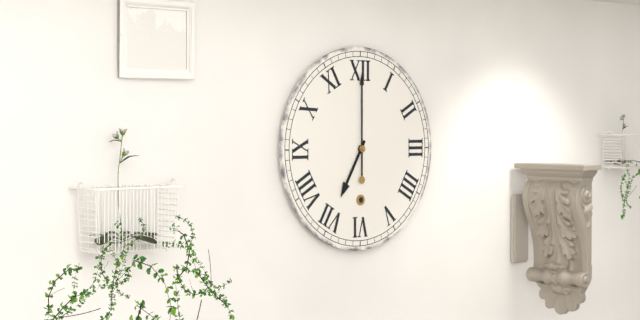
7:00
